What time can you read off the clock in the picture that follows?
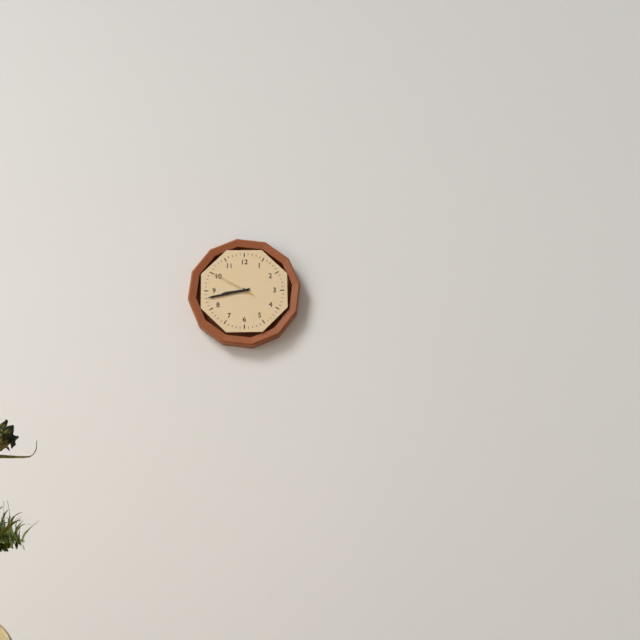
8:43
